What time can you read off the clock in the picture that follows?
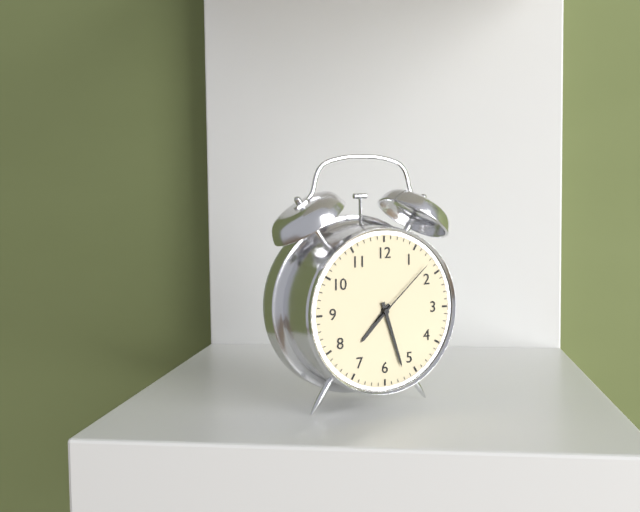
7:27:08
